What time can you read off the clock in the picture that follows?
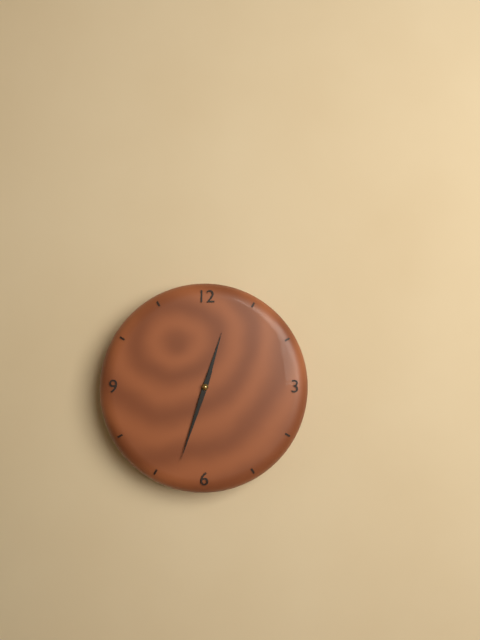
12:33
